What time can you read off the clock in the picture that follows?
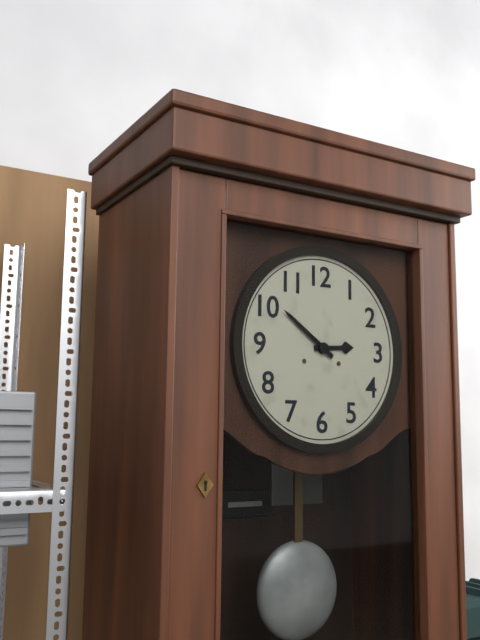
2:51
